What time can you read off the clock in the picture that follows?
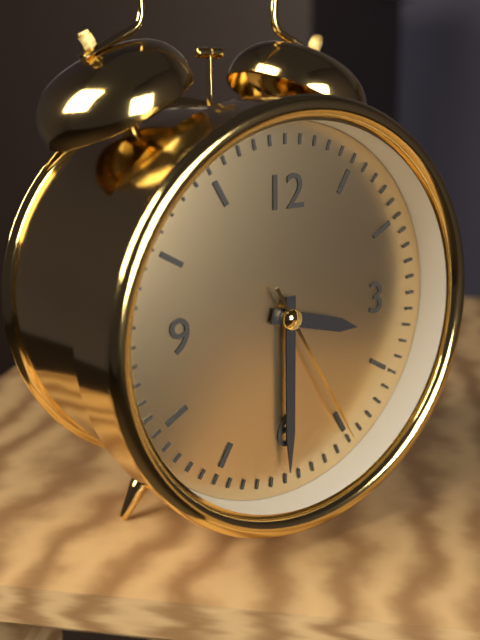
3:30:25
